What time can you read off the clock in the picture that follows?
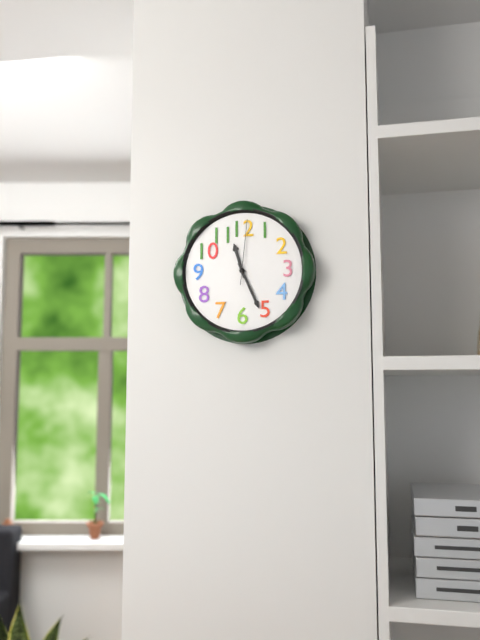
11:26:01
